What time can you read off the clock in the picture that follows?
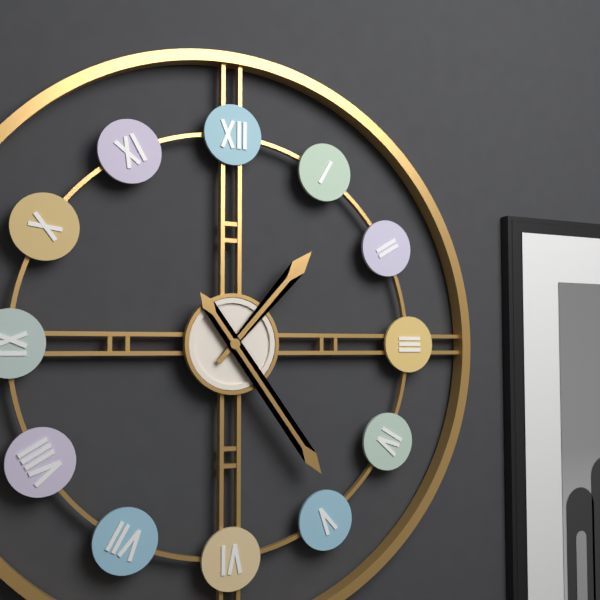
1:24
